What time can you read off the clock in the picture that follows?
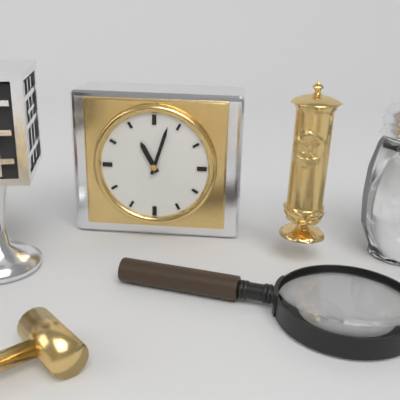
11:03
